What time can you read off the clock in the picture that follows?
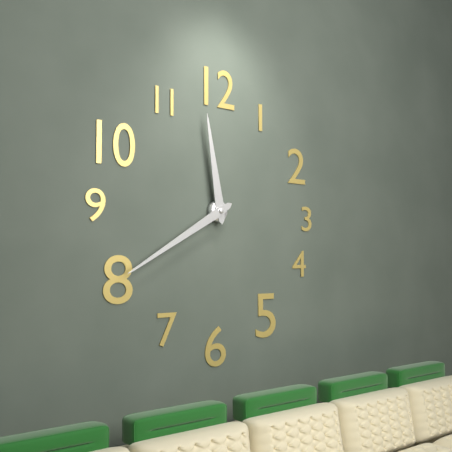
11:40
